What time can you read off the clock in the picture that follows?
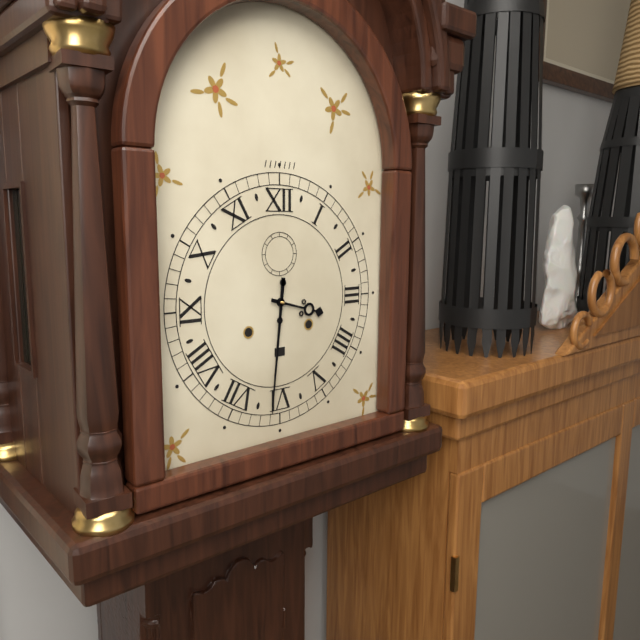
3:31
